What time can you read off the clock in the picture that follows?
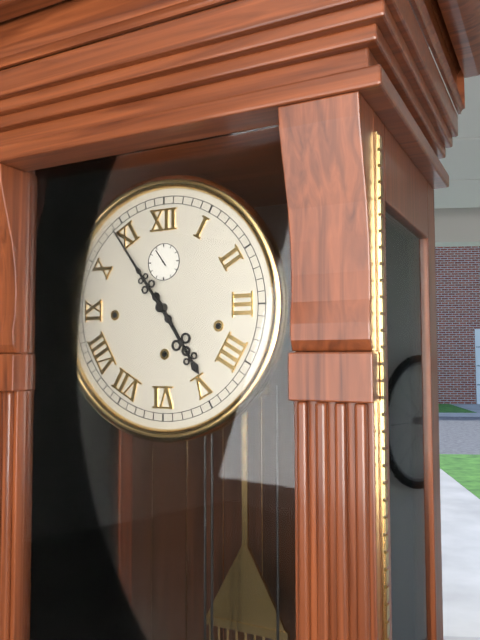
4:54
